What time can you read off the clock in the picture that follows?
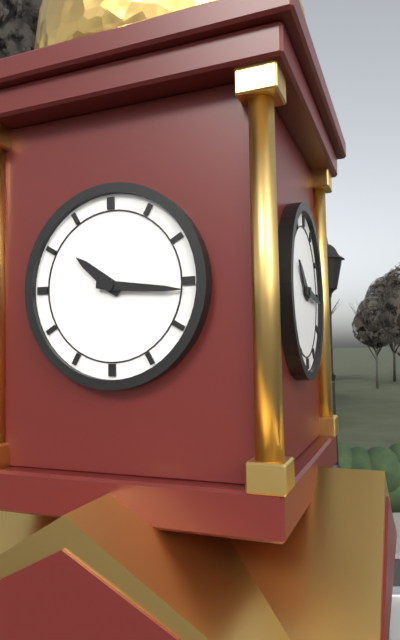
10:16
